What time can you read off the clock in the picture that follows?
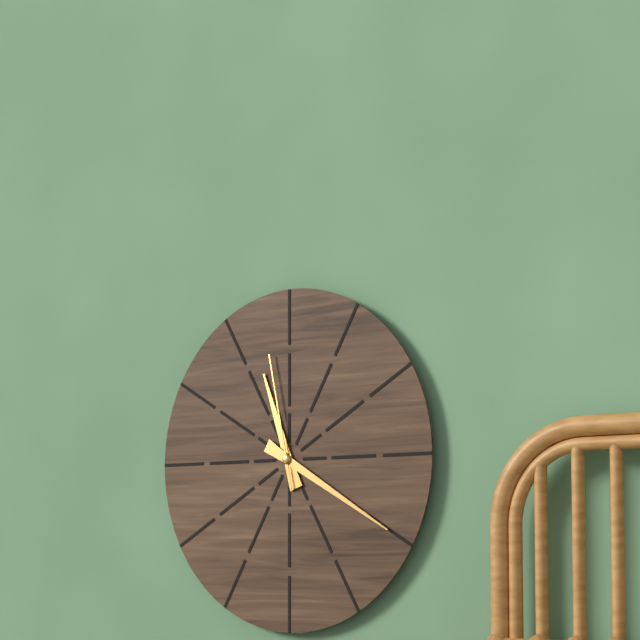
11:20:58
